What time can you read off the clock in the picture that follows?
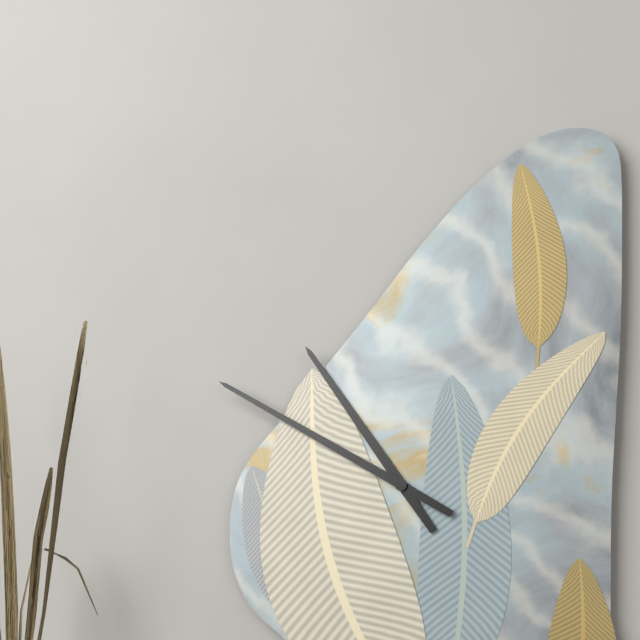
10:50
